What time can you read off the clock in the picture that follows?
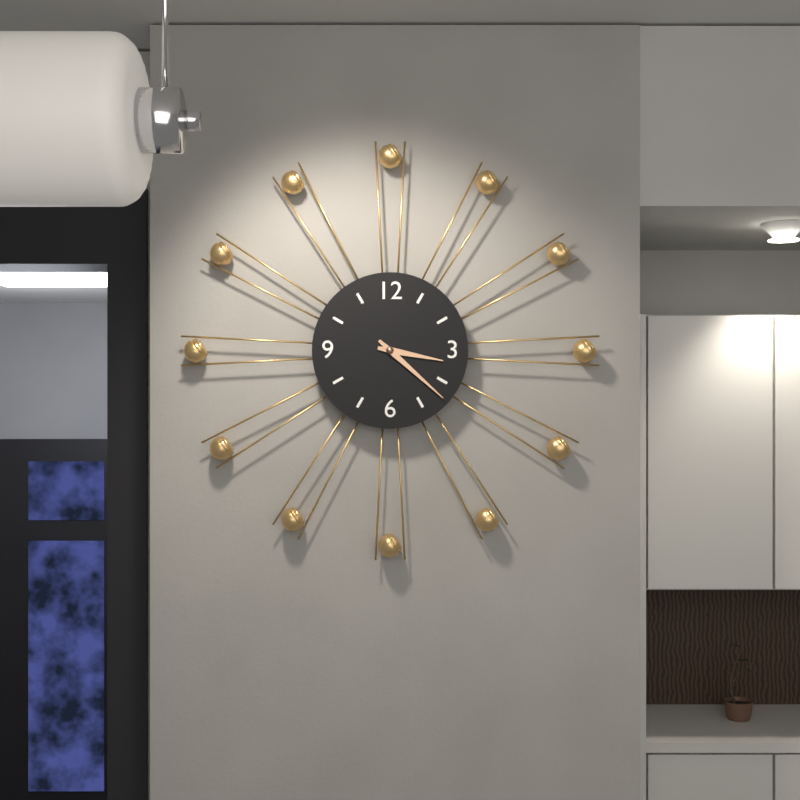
3:22
